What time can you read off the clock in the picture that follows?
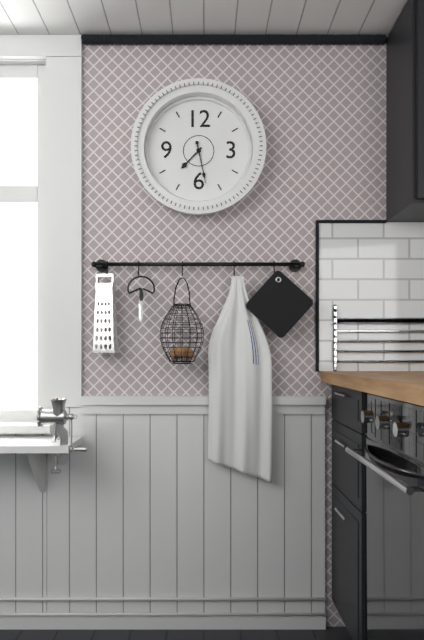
7:28
